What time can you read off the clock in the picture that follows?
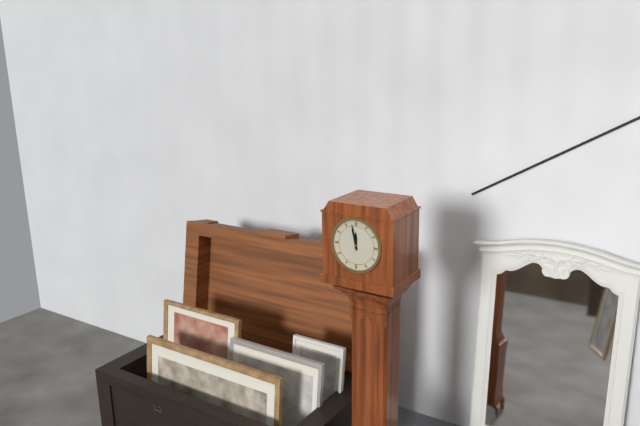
11:58
